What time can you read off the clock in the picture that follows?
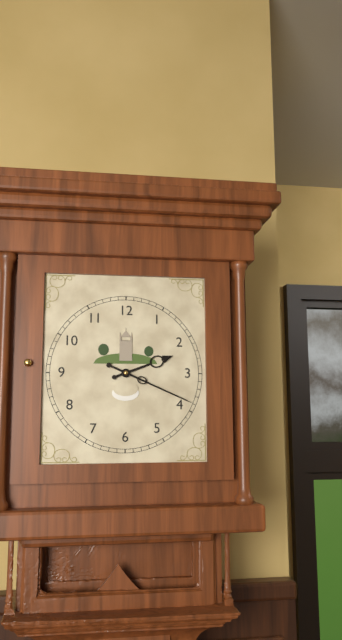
2:19
